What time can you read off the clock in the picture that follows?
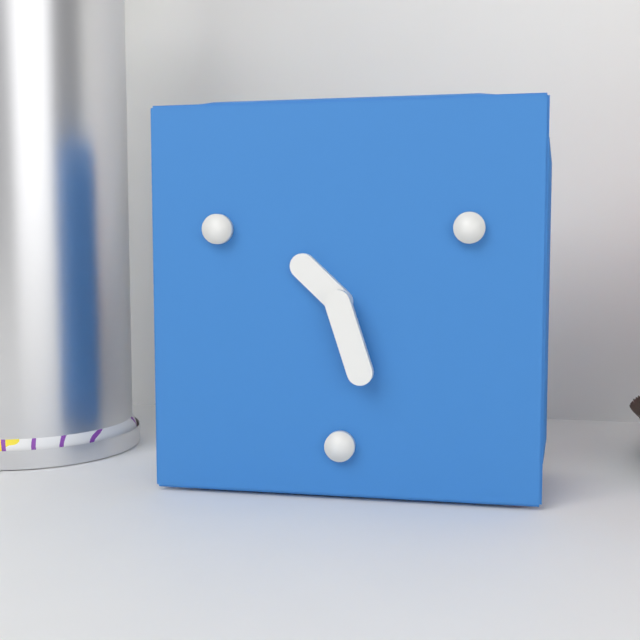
10:27
